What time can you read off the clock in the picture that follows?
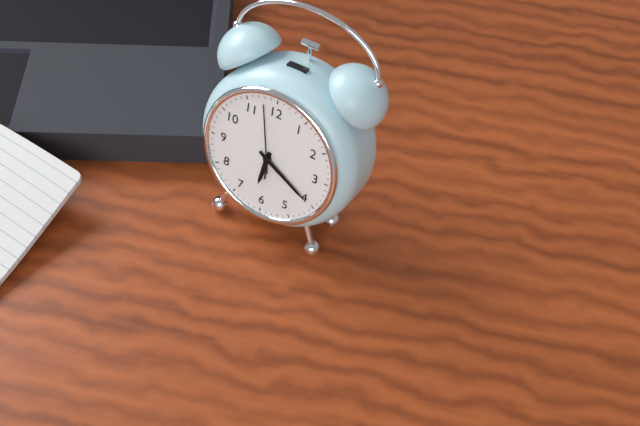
6:20:58
